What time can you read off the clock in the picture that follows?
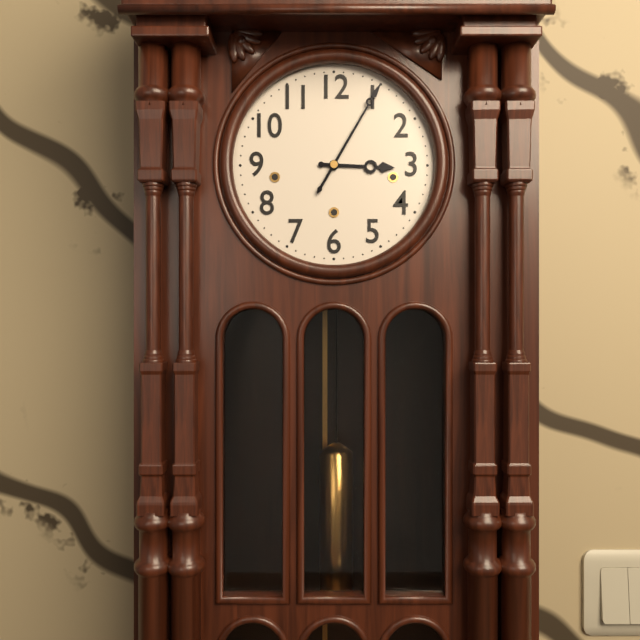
3:05
